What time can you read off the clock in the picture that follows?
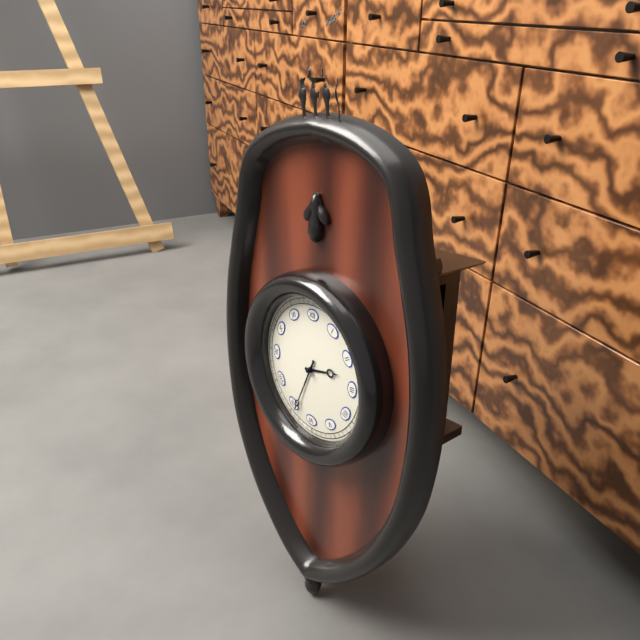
2:34
